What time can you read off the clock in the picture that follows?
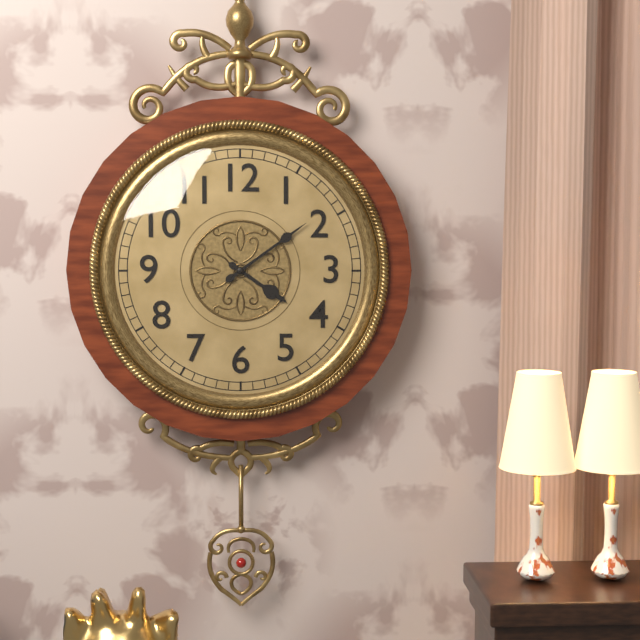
4:09
